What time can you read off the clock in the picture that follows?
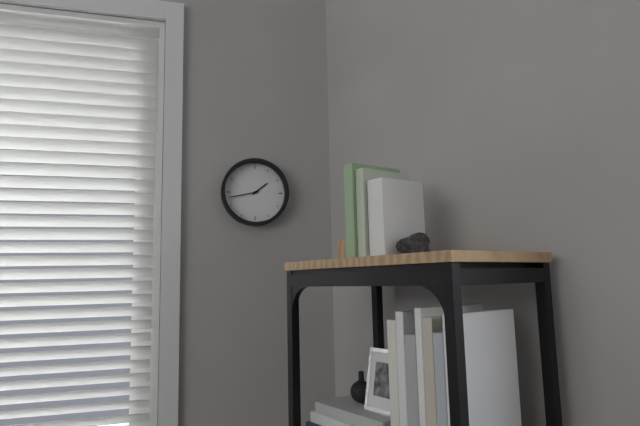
1:43
